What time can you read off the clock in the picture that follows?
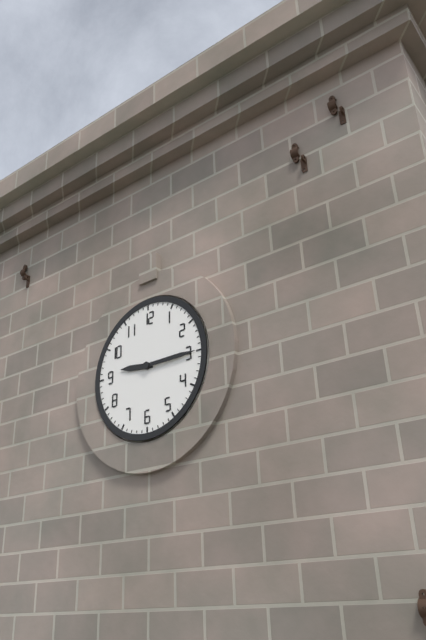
9:15
